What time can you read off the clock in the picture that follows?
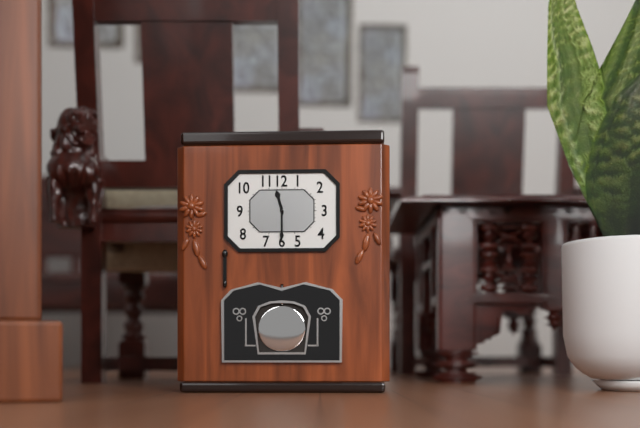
11:30
